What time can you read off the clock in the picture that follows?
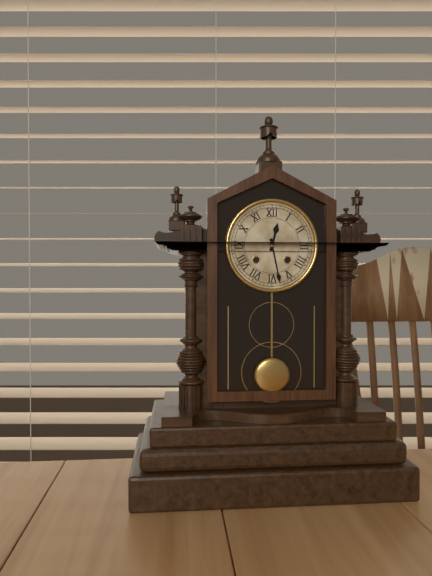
12:28
